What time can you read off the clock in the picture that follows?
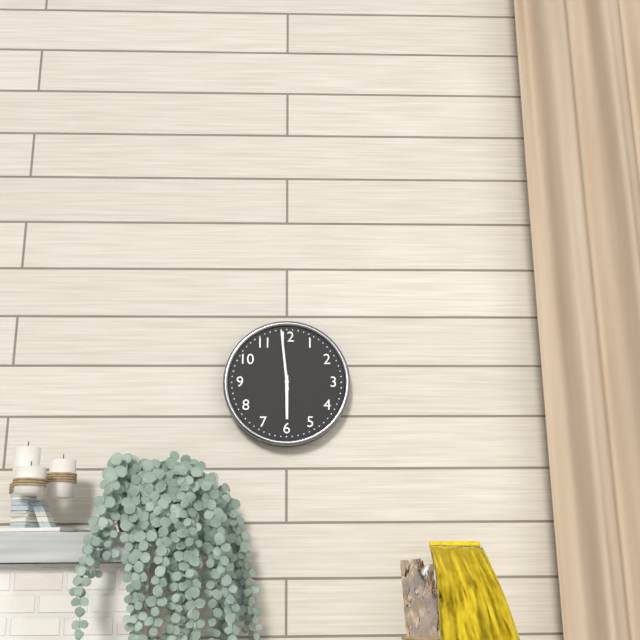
5:59
